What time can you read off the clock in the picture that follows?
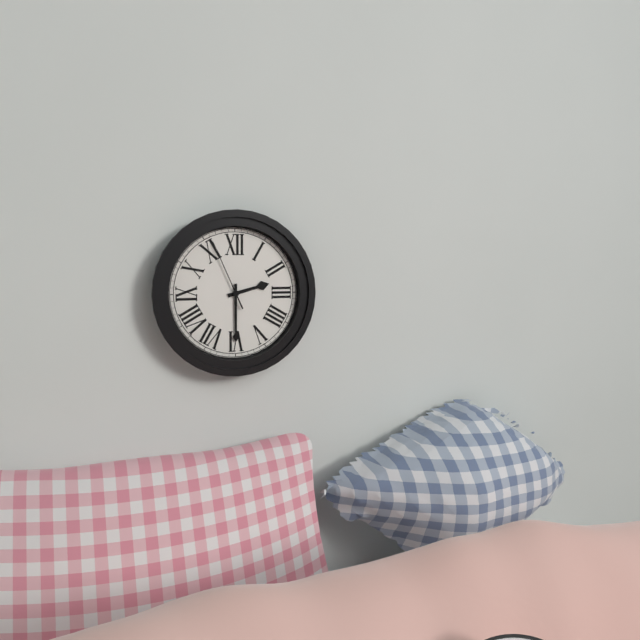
2:30:56
